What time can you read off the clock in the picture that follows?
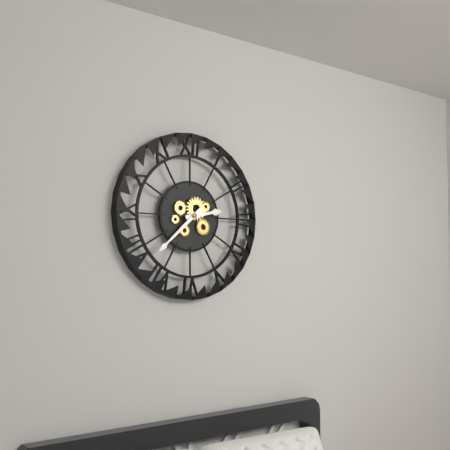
2:38
